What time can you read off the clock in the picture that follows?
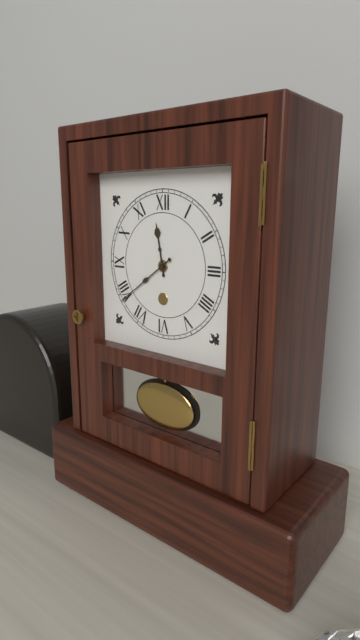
11:39
